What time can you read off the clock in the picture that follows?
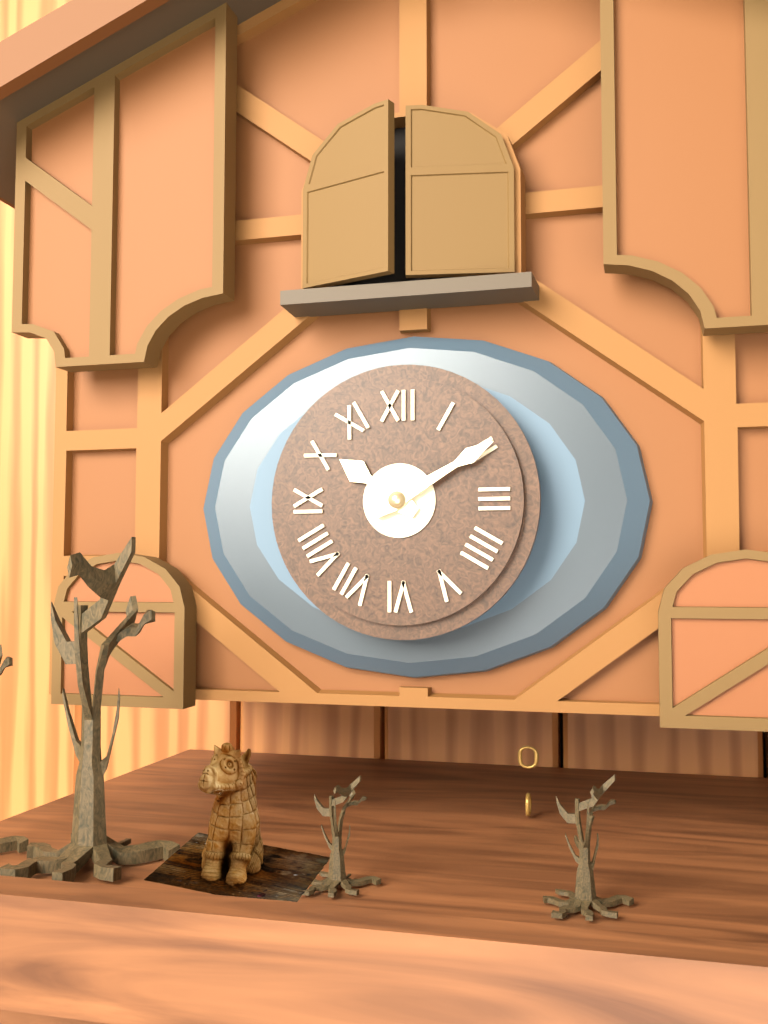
10:10
